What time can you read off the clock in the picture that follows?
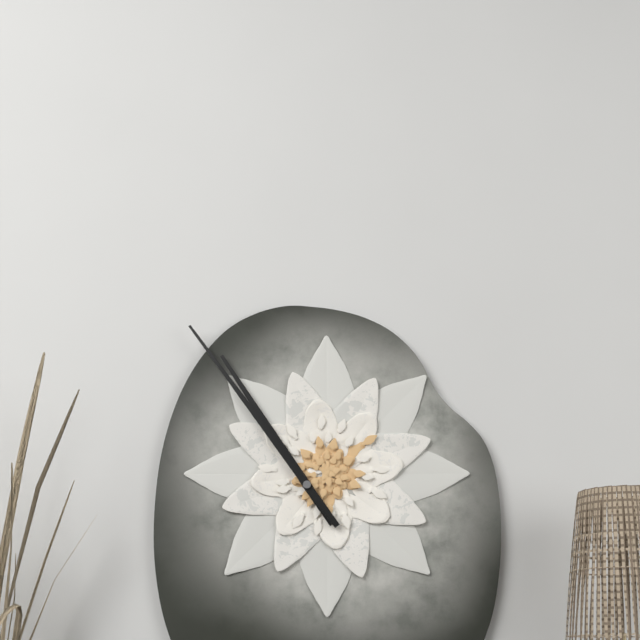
10:54
